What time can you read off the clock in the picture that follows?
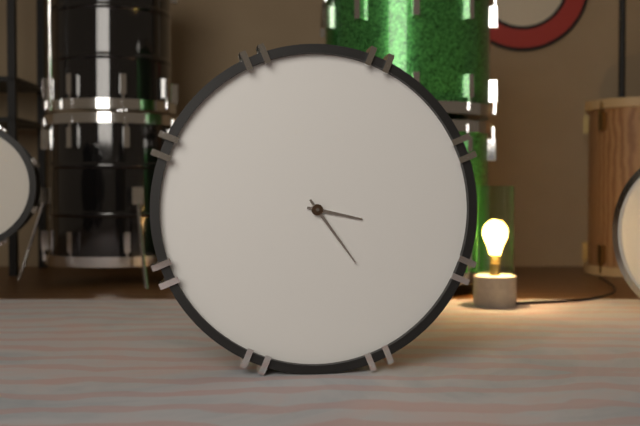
3:24
